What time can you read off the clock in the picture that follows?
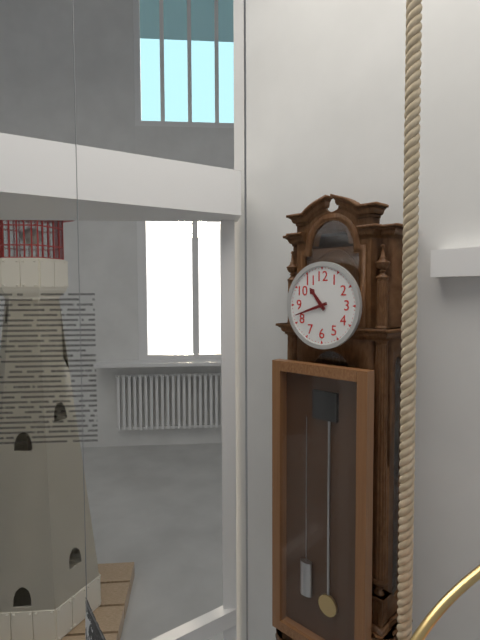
10:42
